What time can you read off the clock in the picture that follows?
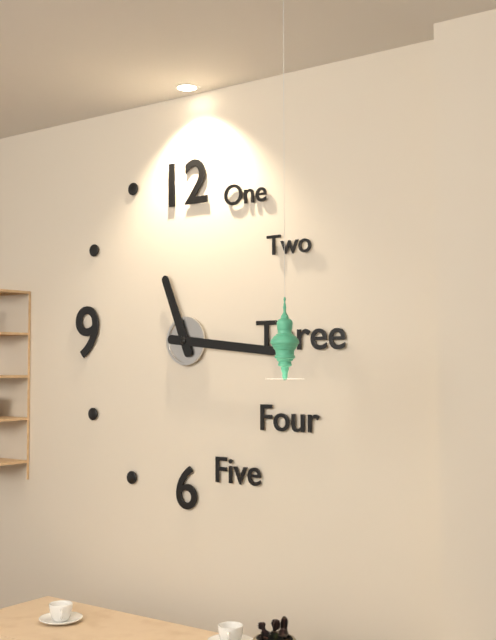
11:16
